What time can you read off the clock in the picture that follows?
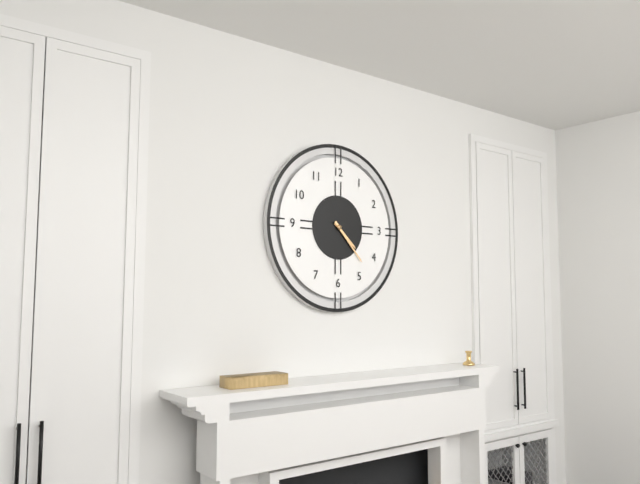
4:23
